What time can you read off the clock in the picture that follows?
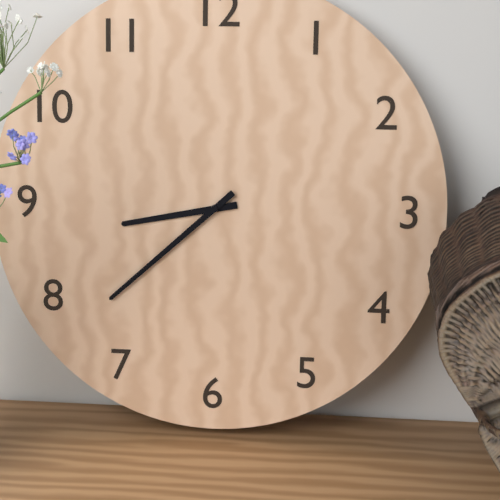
8:38
